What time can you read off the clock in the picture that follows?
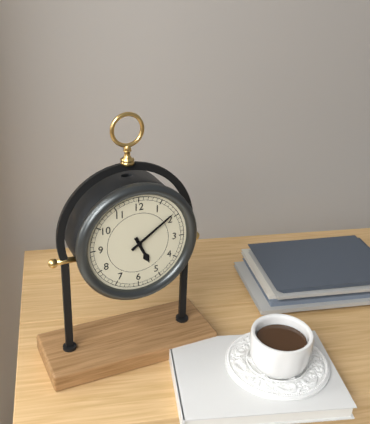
5:09
